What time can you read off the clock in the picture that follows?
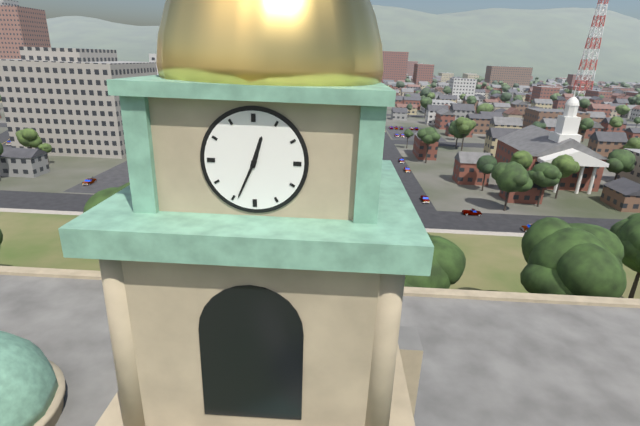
12:34
